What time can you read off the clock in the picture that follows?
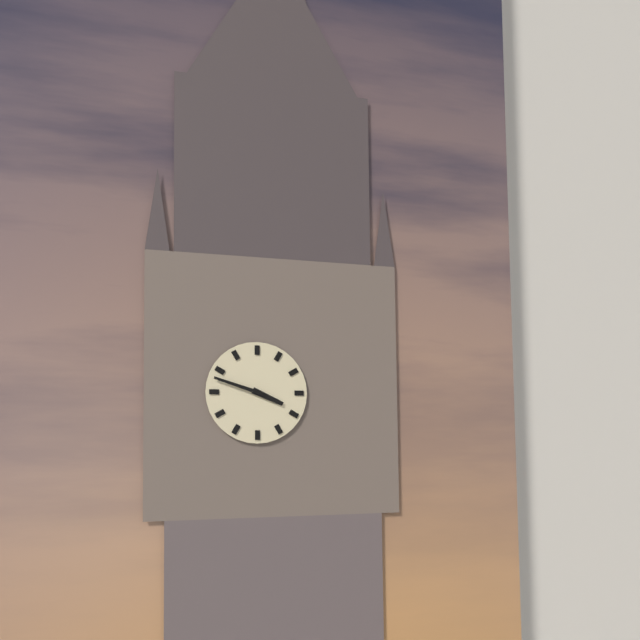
3:48
